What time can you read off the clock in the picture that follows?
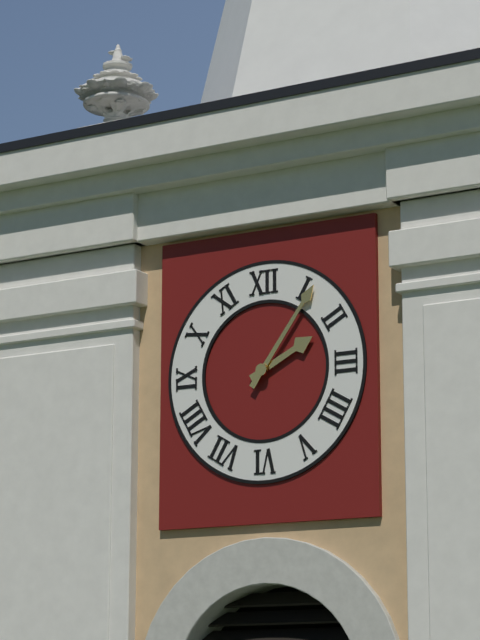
2:06
